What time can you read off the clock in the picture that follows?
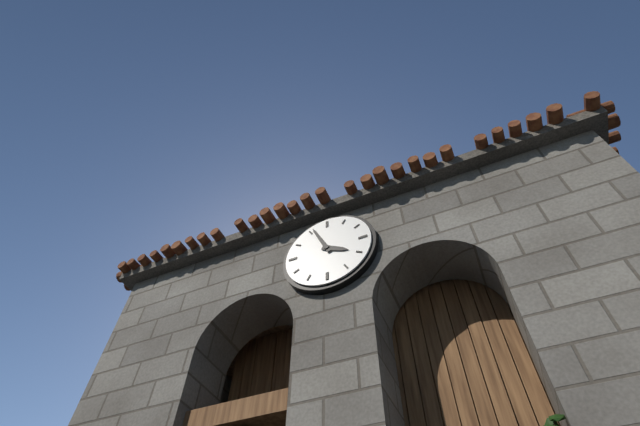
3:56
